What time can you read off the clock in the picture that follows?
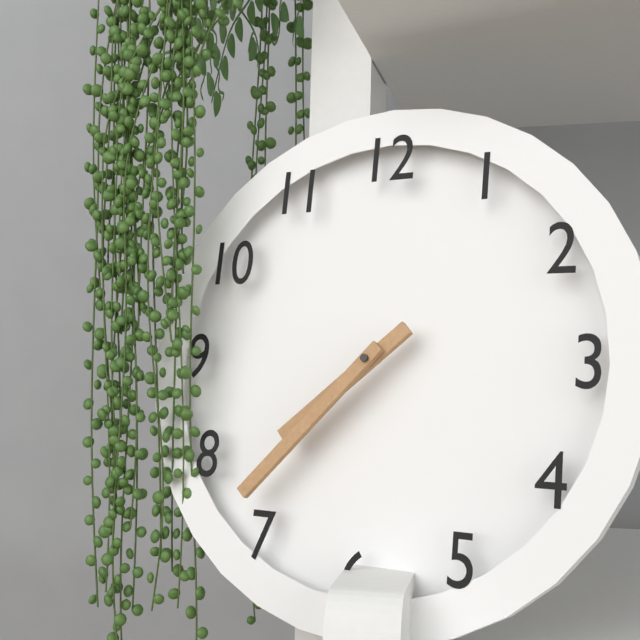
7:37
